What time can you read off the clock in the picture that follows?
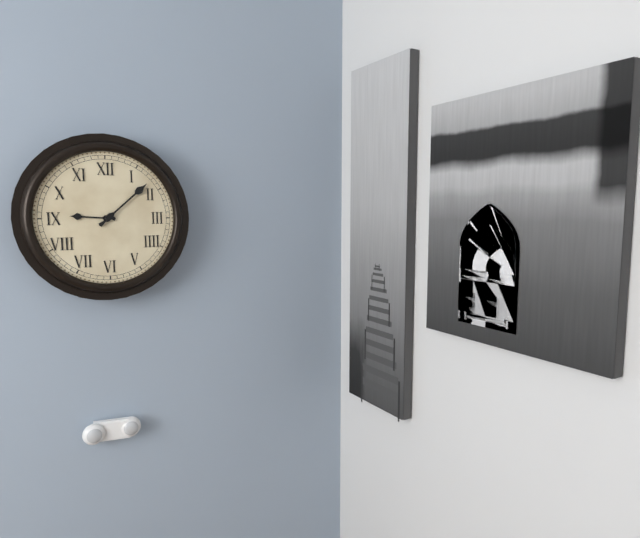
9:08
